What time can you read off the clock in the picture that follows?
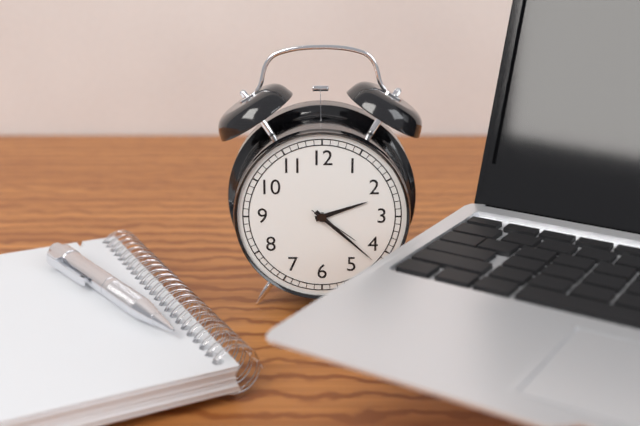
2:22:21
